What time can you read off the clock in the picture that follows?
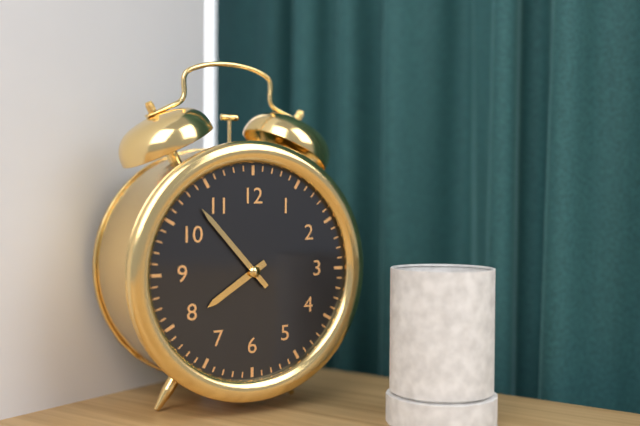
7:53
